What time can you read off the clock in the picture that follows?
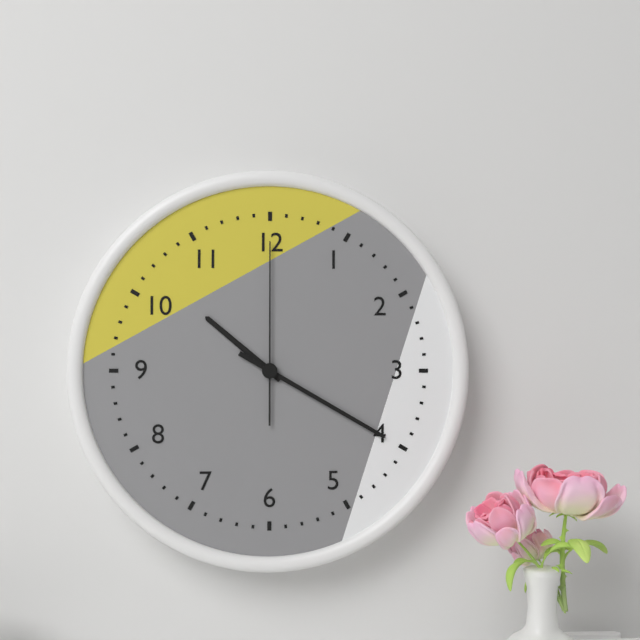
10:20:00
